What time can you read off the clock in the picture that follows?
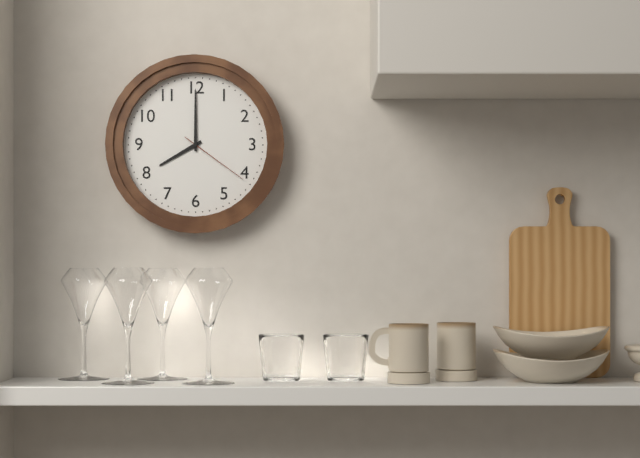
8:00:21
